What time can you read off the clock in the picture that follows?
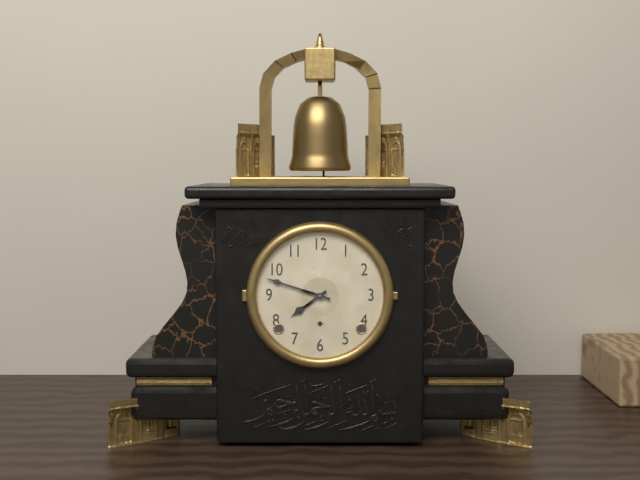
7:48
